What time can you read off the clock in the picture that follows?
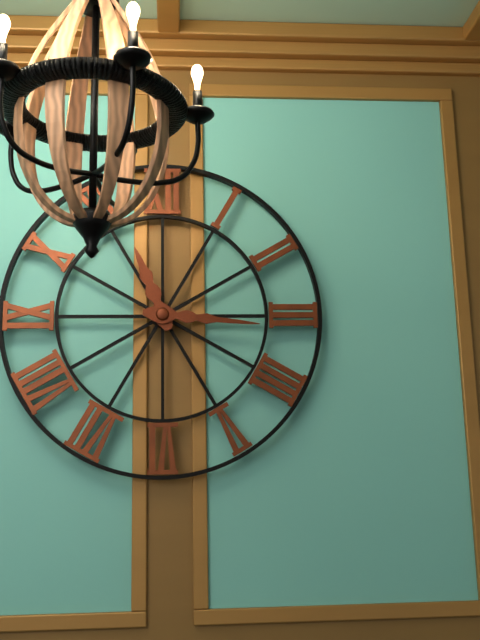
11:16
